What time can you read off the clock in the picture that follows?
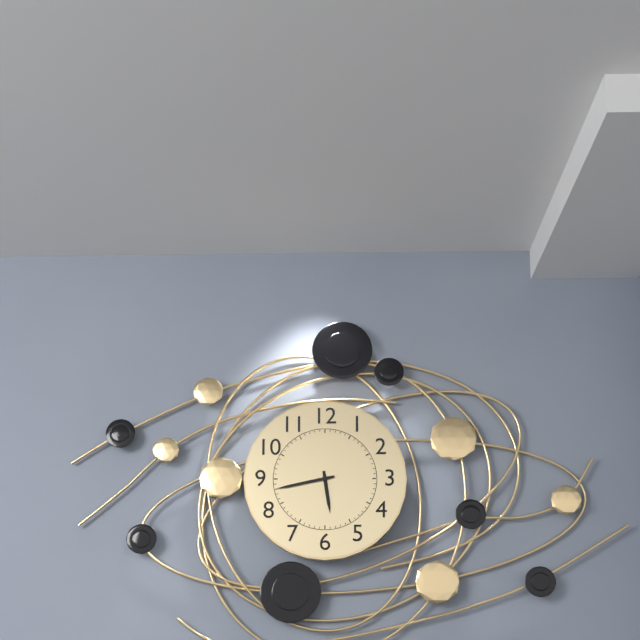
5:43
